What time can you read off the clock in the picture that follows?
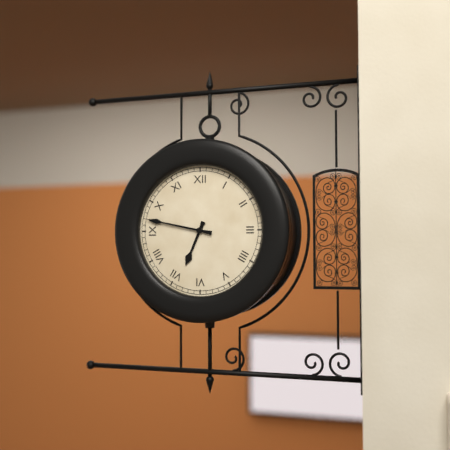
6:47
